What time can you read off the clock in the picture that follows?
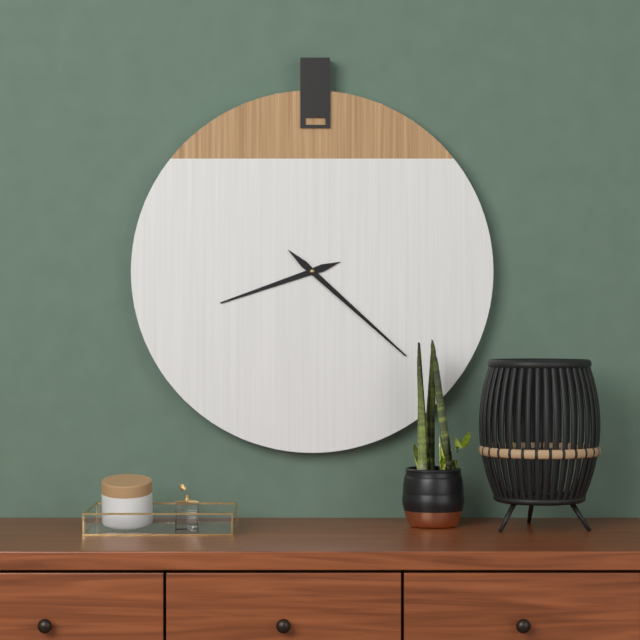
8:22
